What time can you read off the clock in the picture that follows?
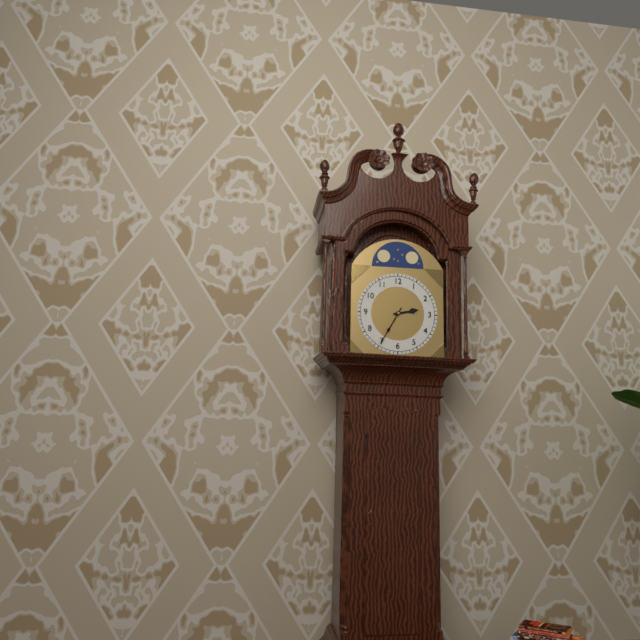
2:35
